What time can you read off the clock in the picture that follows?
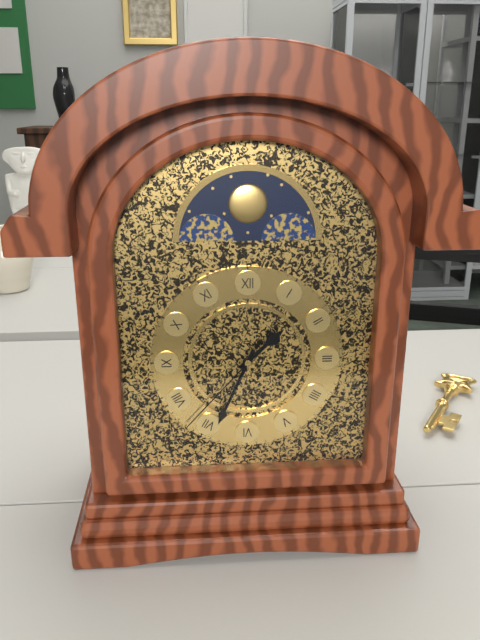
1:34:37
